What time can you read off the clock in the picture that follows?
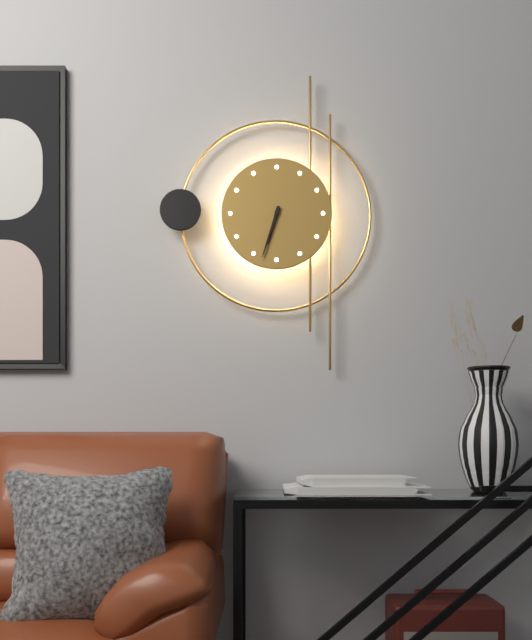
6:33
